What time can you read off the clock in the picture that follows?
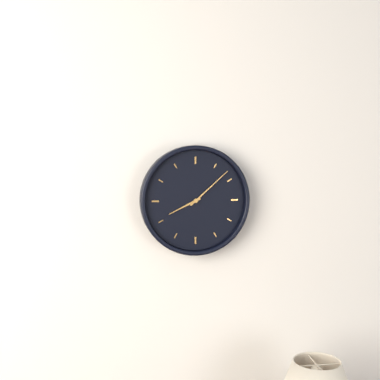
8:08
